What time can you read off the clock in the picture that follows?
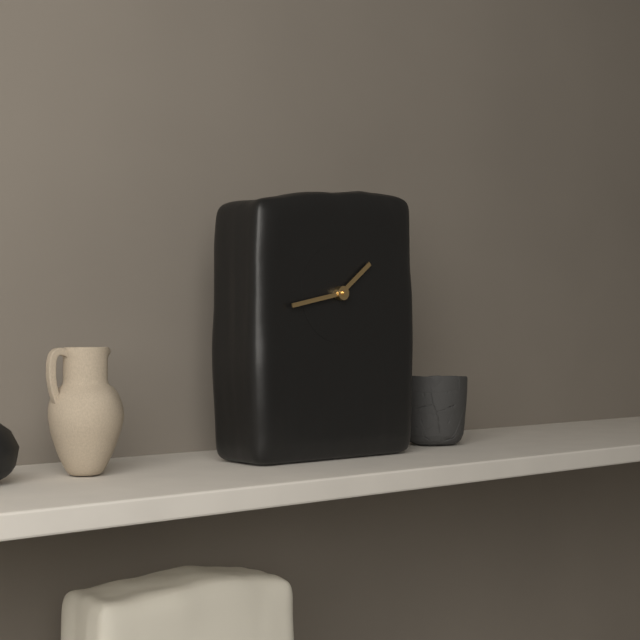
1:43
